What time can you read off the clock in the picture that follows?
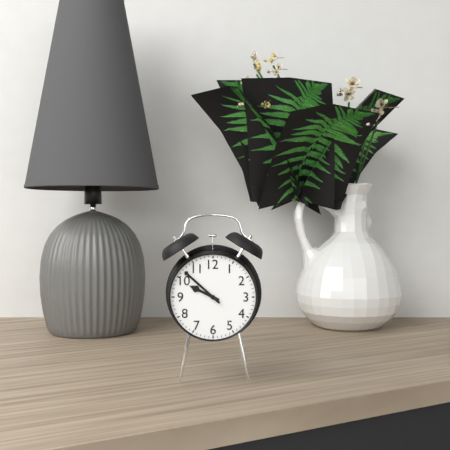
9:52
